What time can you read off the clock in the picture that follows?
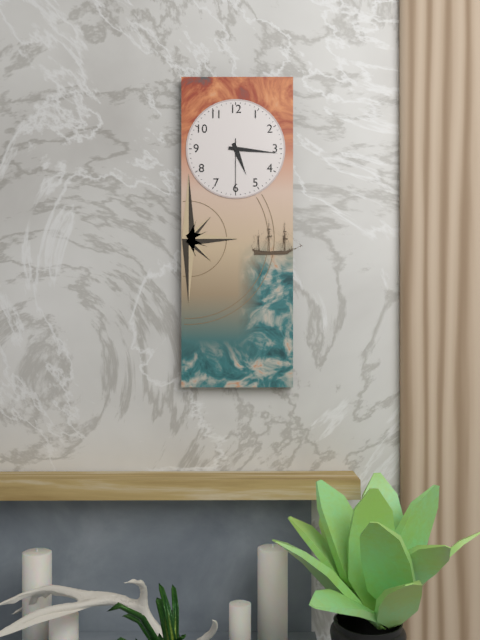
5:16:30
